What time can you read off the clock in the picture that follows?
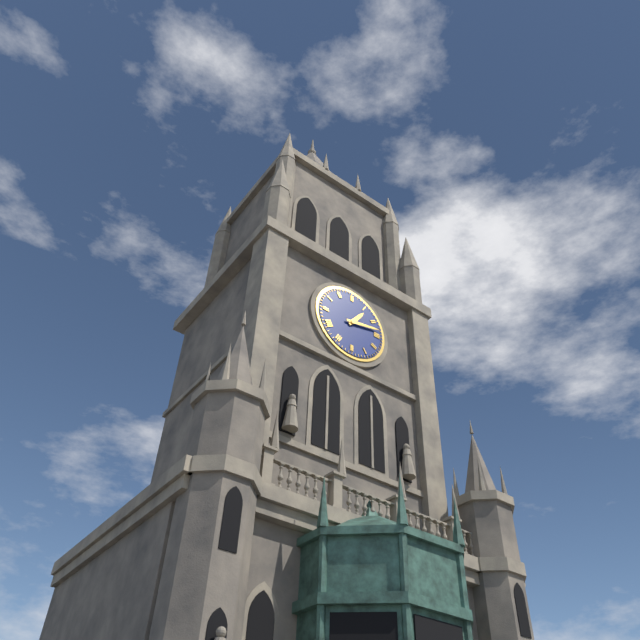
1:13
